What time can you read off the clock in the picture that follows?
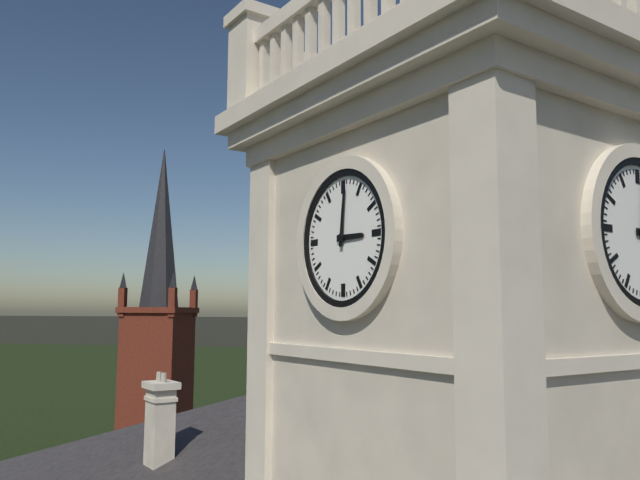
3:01
